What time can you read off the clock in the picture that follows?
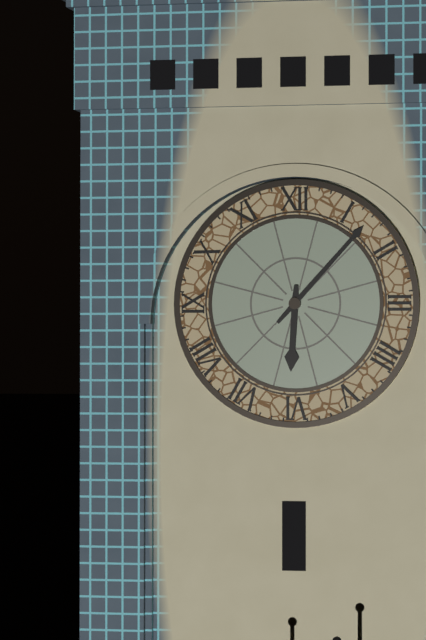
6:07
